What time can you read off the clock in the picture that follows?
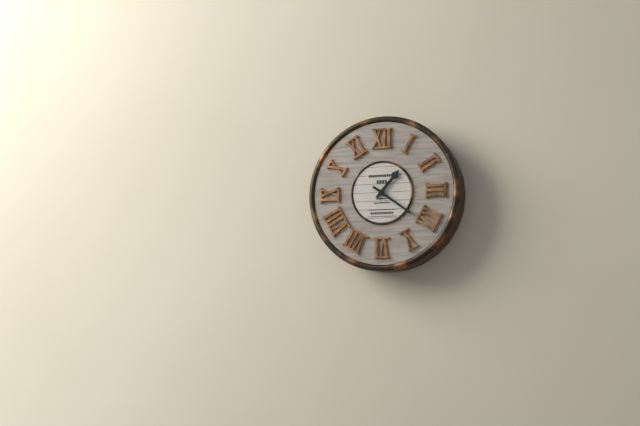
1:21
